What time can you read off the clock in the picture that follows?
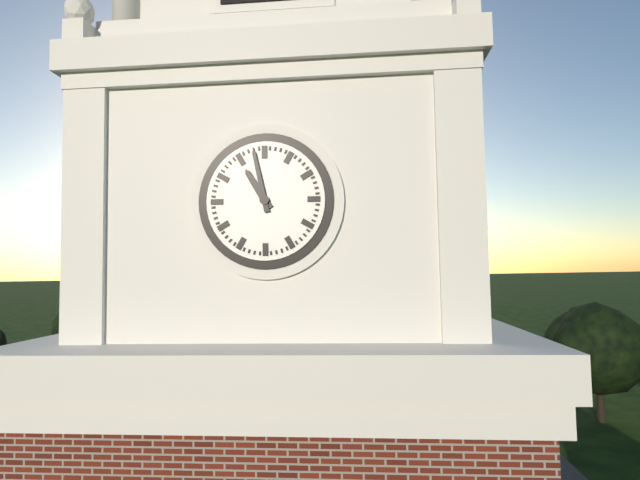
10:58
